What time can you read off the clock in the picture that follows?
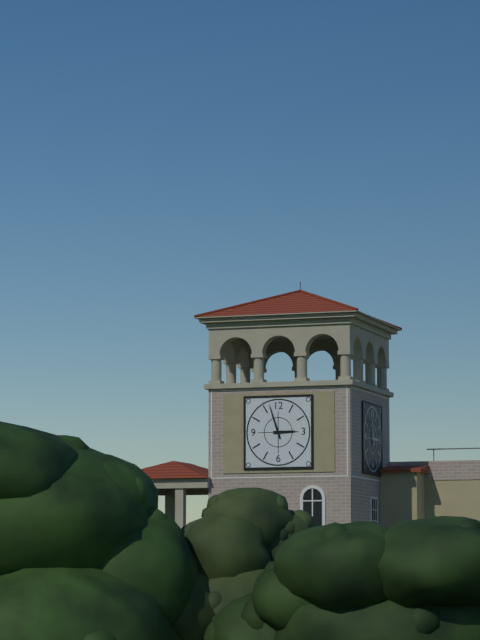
2:57
